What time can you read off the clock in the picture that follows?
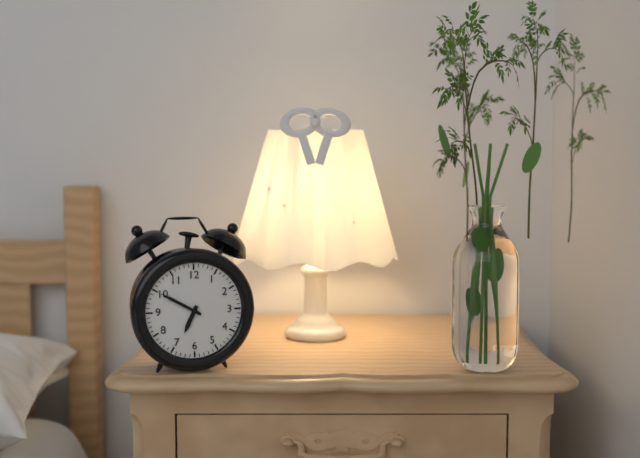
6:50
